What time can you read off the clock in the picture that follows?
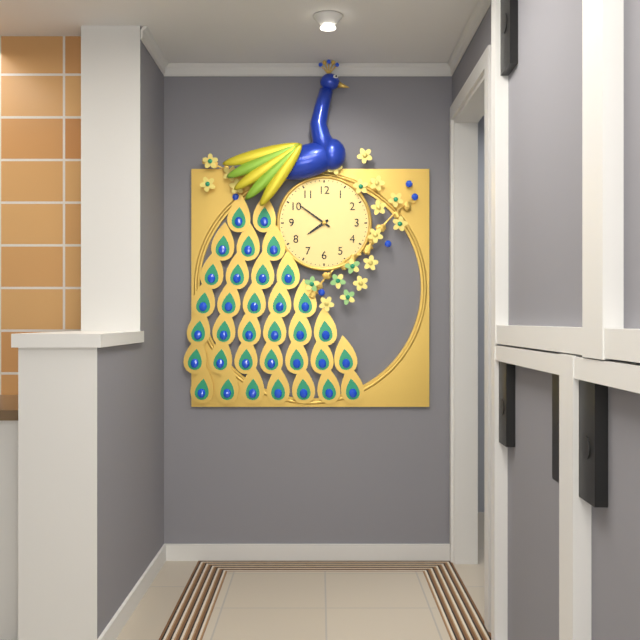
7:51
